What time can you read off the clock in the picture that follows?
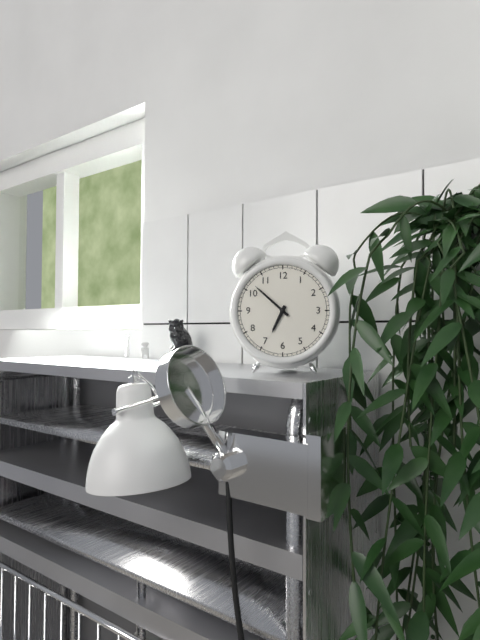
6:52
